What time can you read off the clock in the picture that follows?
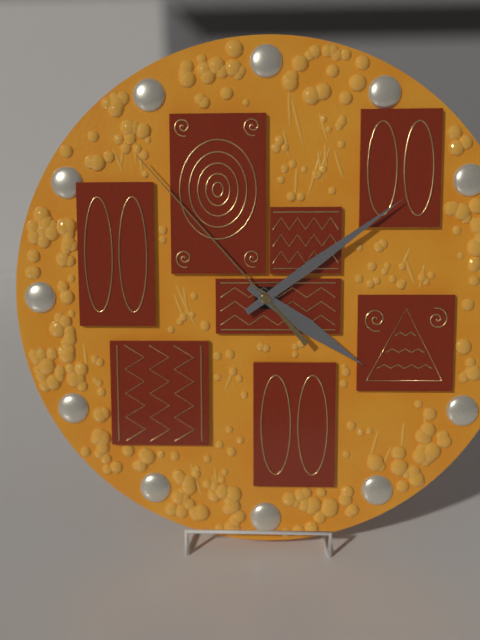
4:09:53
